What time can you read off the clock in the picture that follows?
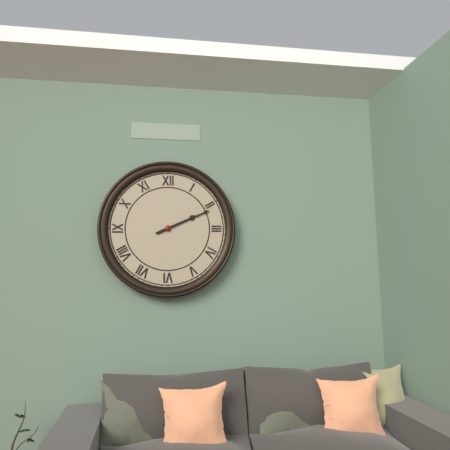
2:11
